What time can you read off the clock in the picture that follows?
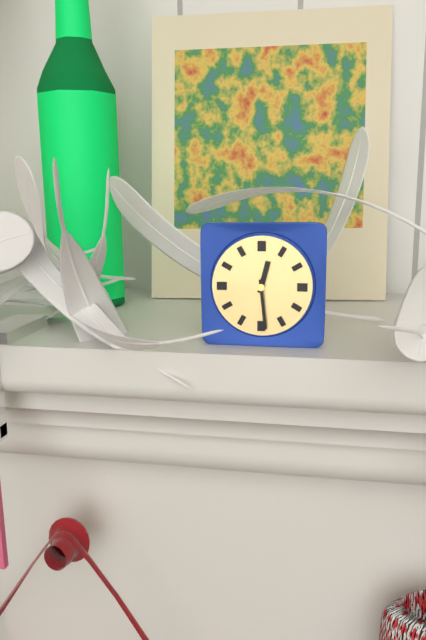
12:29
